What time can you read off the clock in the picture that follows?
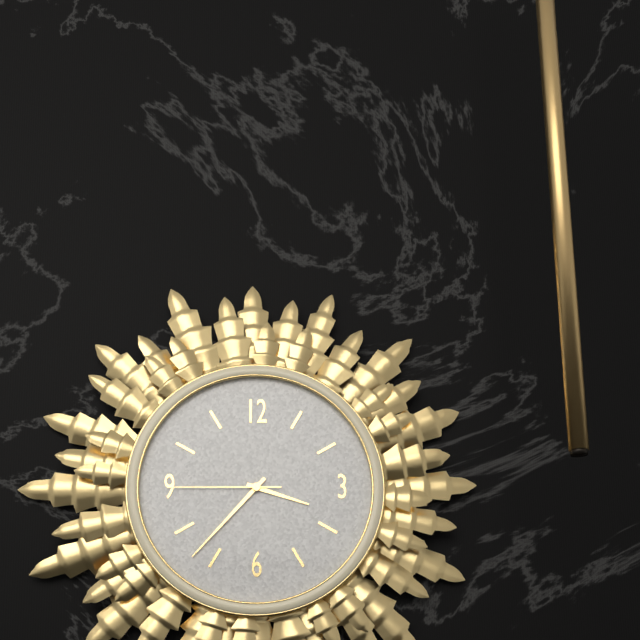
3:37:45
